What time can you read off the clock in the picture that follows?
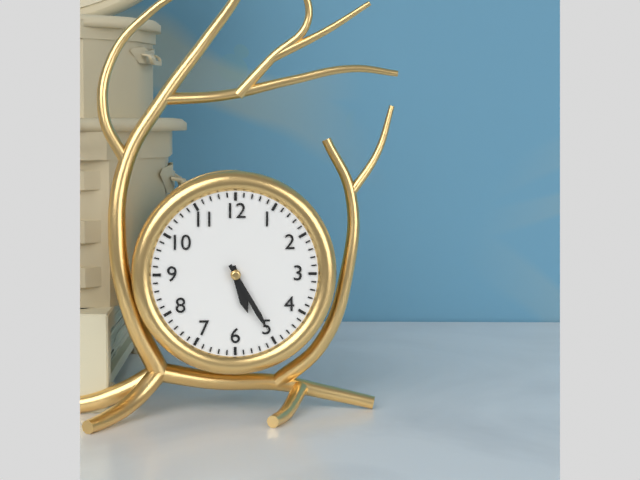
5:25
